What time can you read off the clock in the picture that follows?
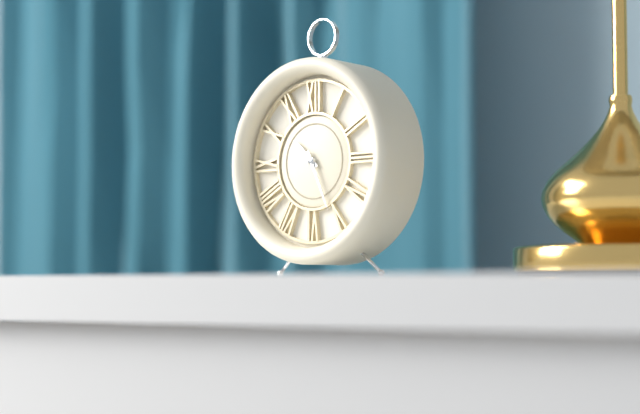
10:26
